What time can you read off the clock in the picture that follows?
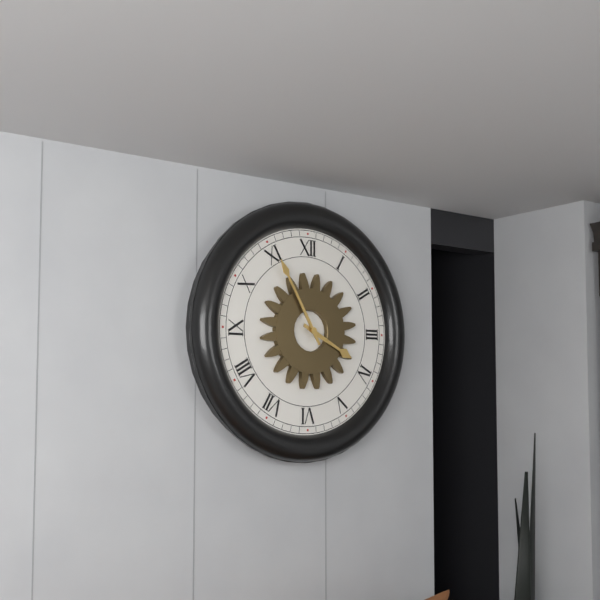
3:55
